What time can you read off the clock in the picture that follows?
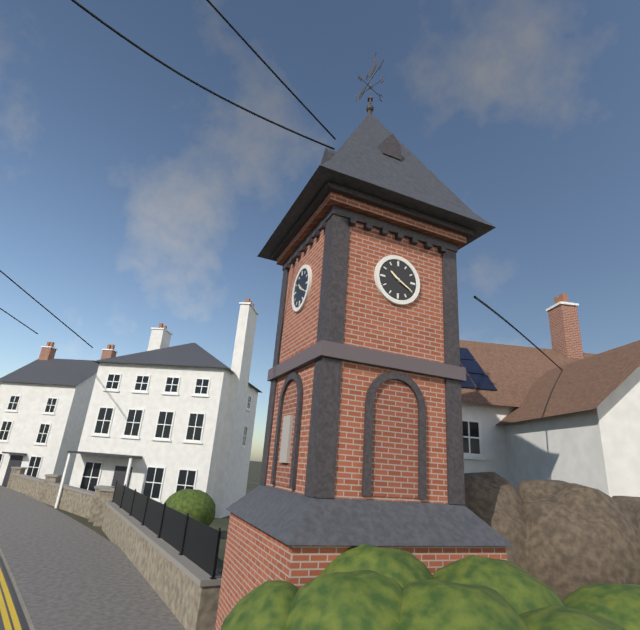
10:20
